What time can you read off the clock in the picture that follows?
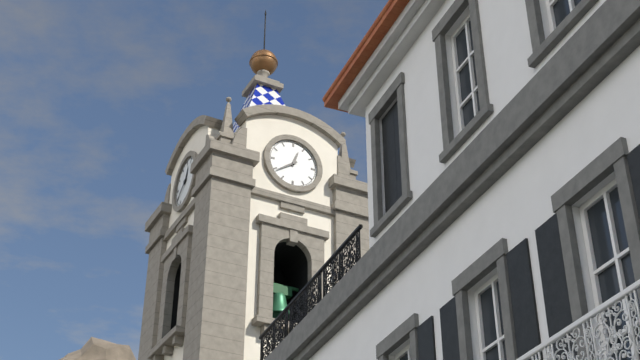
12:39
